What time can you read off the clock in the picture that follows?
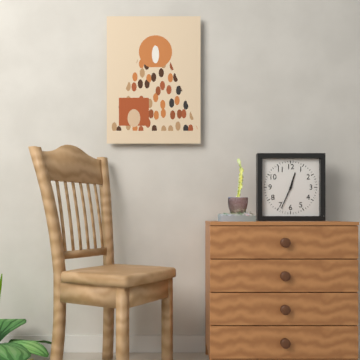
12:34
